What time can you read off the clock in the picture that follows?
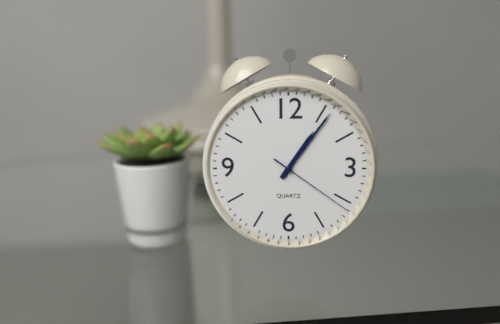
1:06:21
